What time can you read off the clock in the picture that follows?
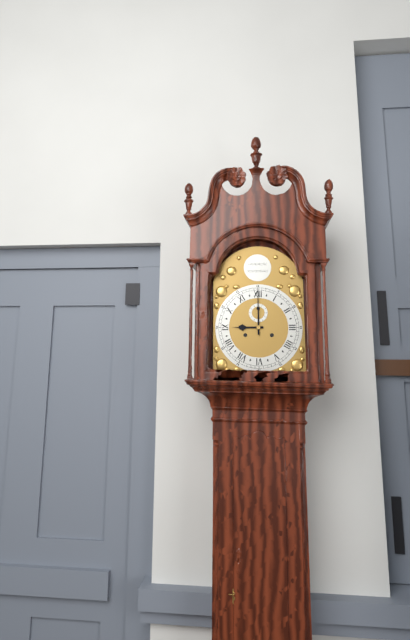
9:00
